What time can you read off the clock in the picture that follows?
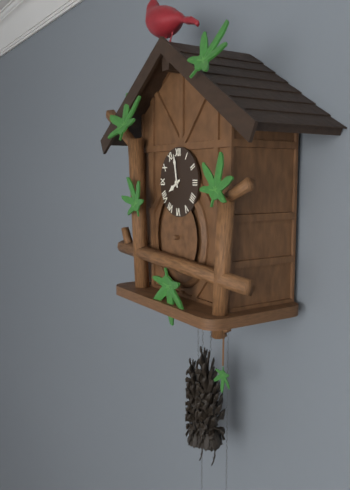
7:58
